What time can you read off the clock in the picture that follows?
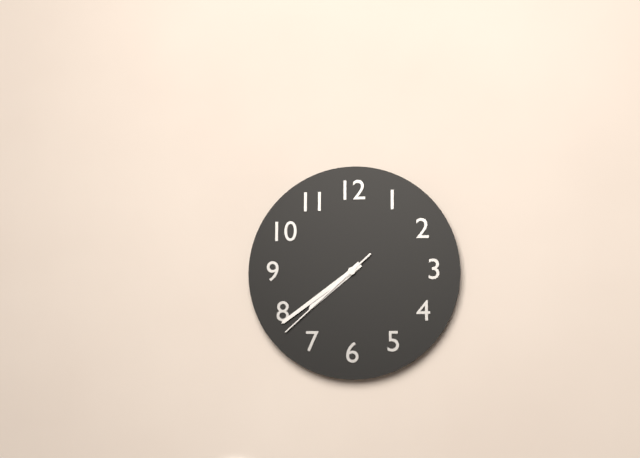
7:39:38
